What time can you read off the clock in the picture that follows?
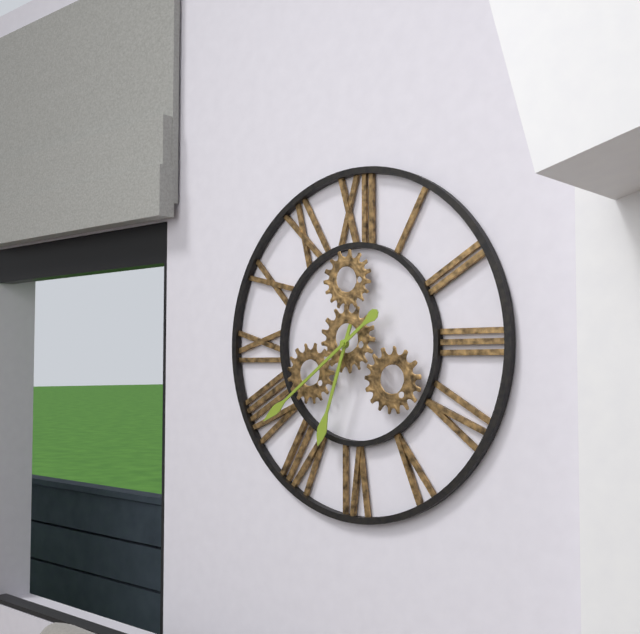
6:39
